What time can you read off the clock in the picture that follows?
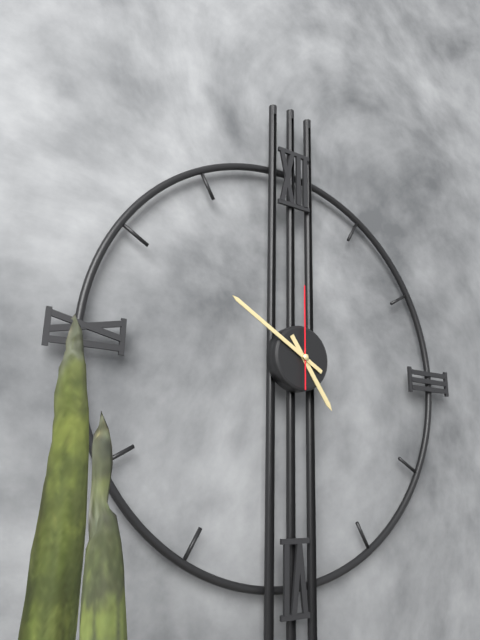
4:50:00
